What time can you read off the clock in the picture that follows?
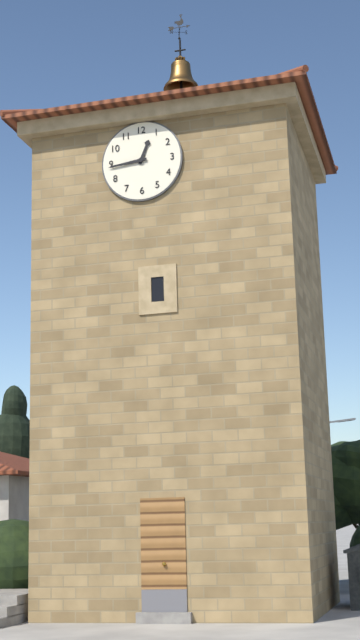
12:44
